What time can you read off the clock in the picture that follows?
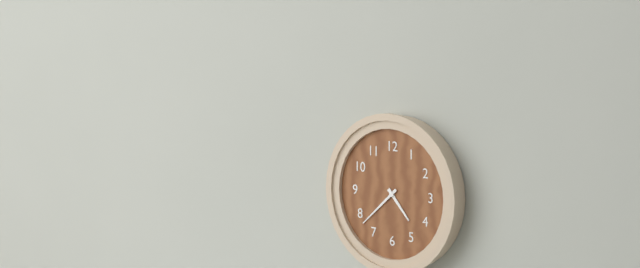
4:38
